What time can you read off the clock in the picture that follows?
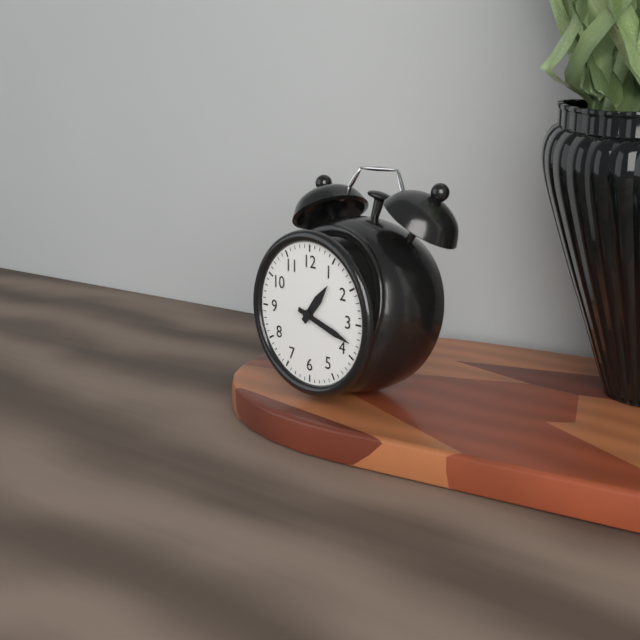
1:18
